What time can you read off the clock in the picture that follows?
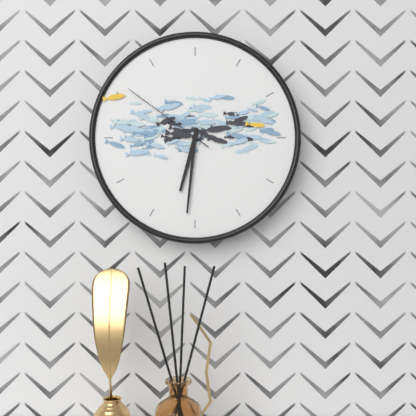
6:31:51
